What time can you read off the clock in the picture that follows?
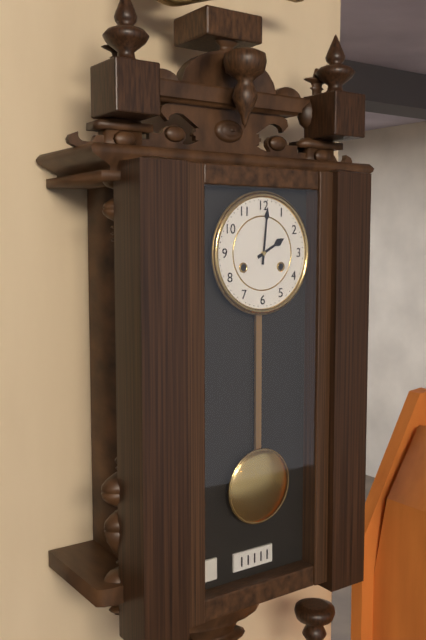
2:01
